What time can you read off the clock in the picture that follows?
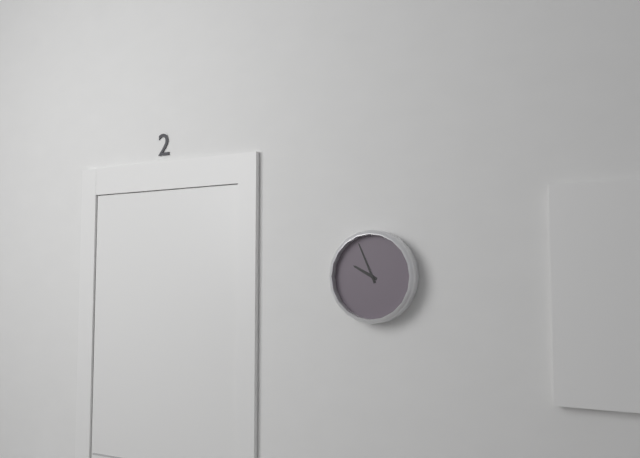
9:56
